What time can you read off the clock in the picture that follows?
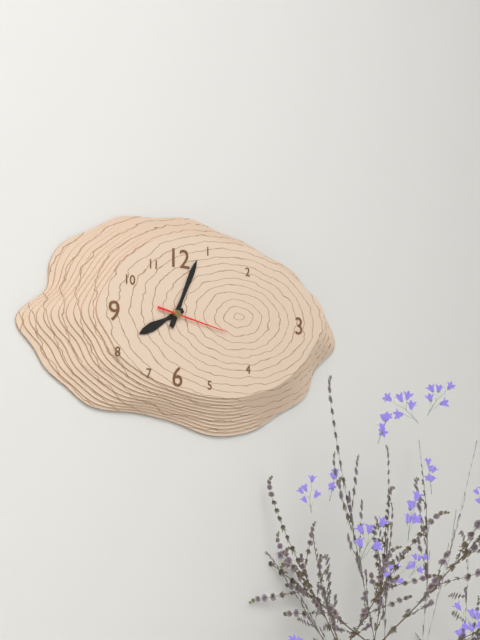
8:04:17
